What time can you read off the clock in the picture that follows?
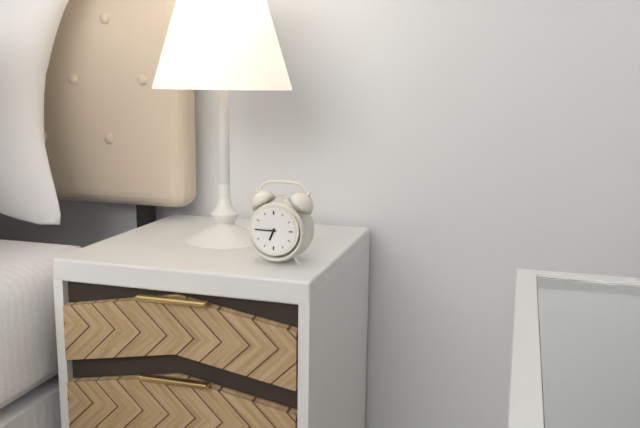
6:45
